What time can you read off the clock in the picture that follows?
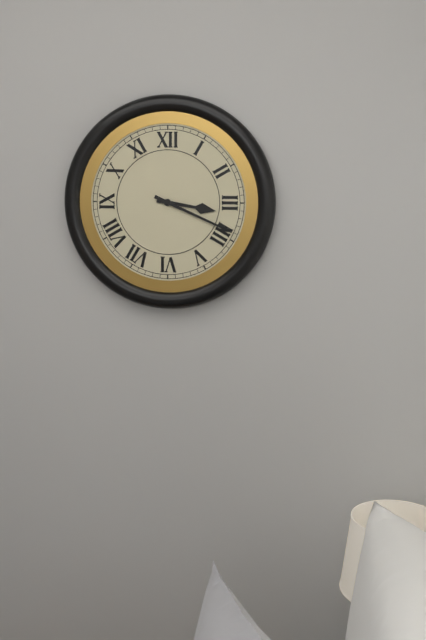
3:19
